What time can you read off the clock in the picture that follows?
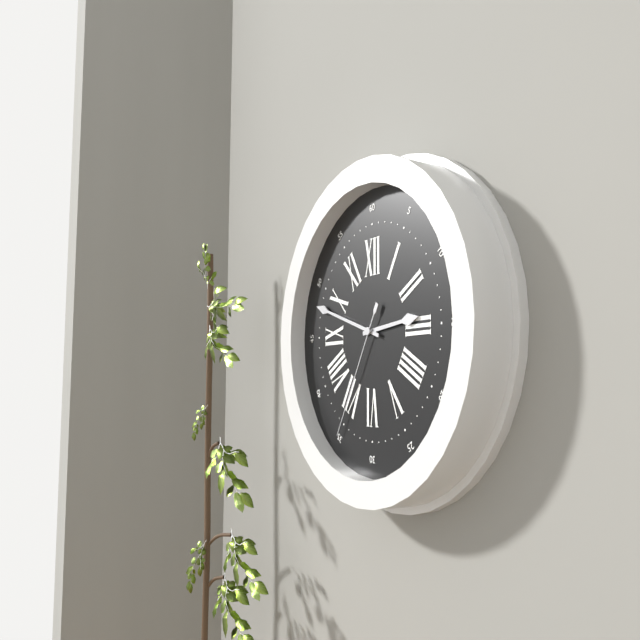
2:48:35
